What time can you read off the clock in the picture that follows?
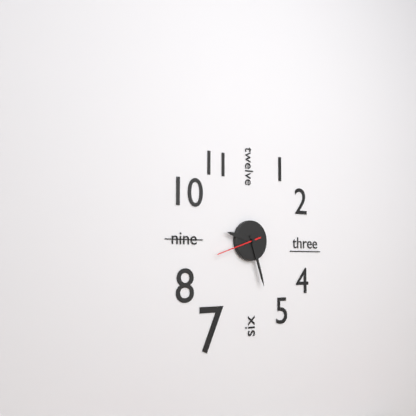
9:27
